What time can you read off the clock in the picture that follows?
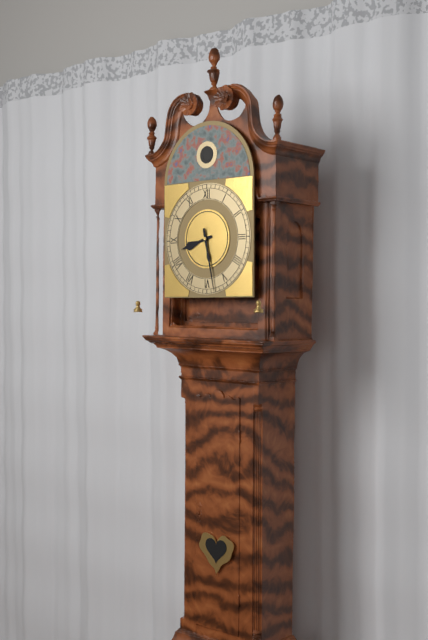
8:28
